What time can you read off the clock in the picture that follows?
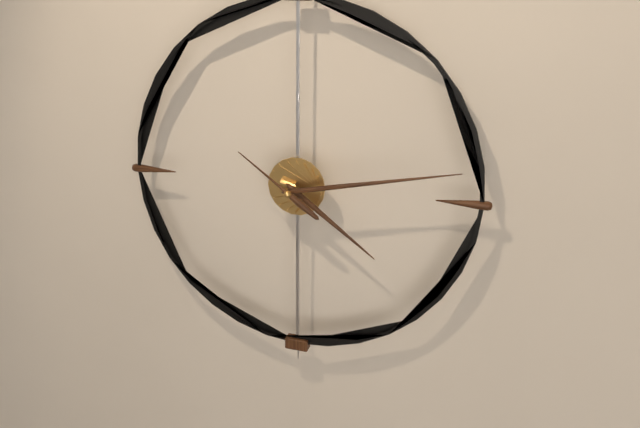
4:13:51
